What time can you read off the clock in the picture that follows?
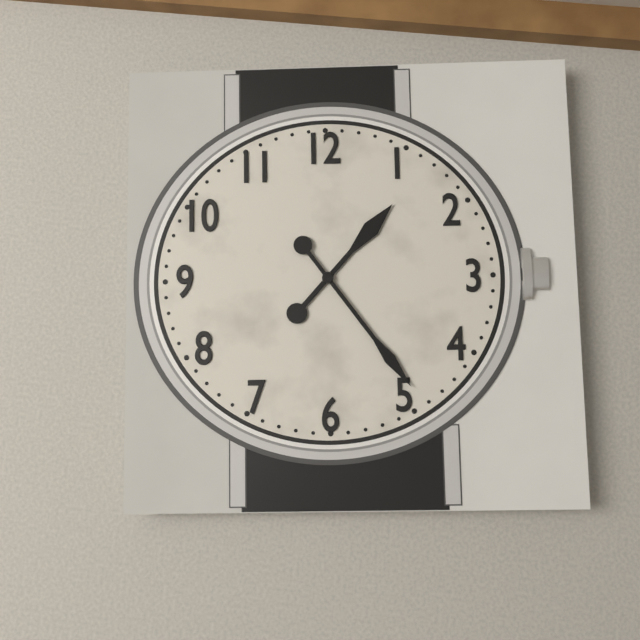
1:24
